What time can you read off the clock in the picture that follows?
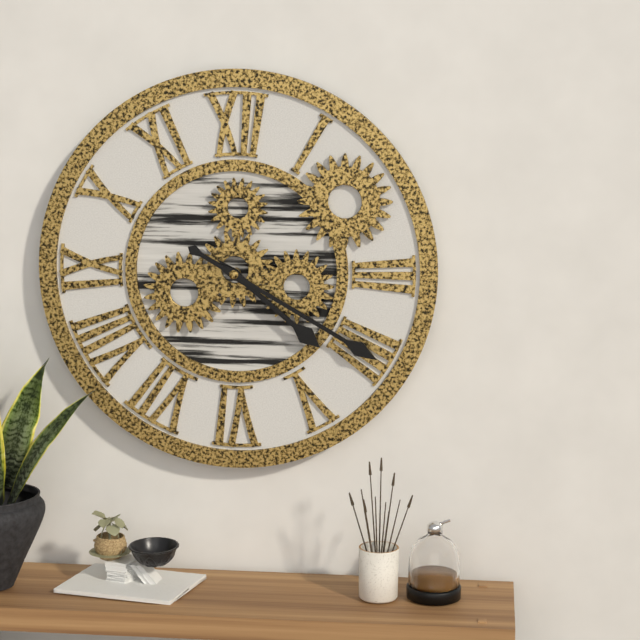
4:20
